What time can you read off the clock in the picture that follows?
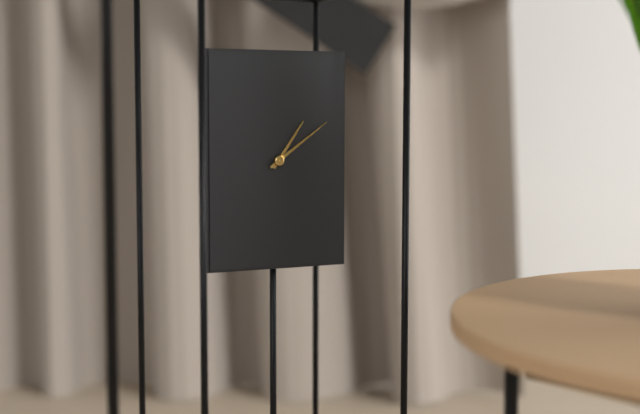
1:09
